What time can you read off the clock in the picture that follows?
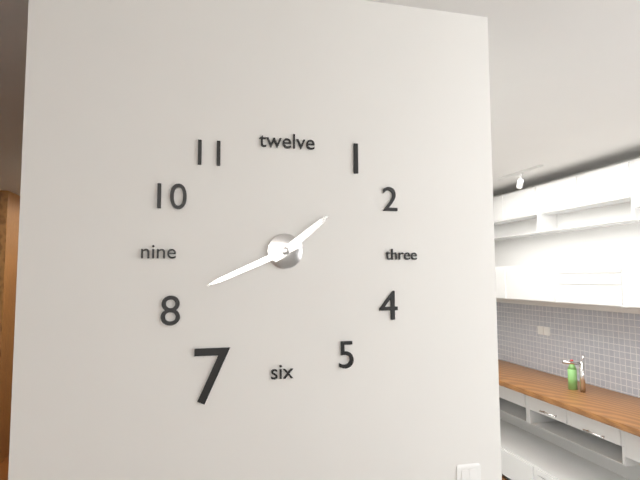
1:41
